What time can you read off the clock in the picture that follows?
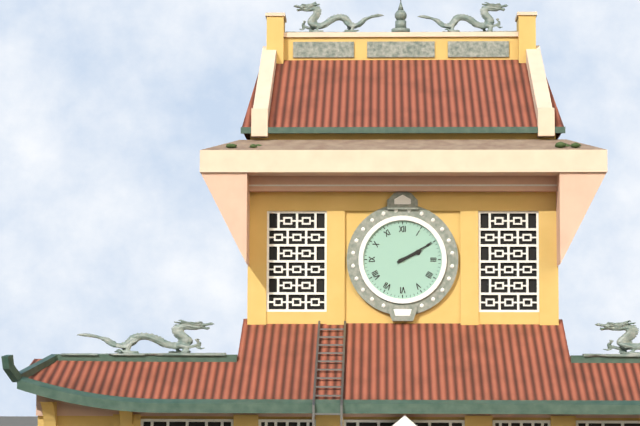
2:10
